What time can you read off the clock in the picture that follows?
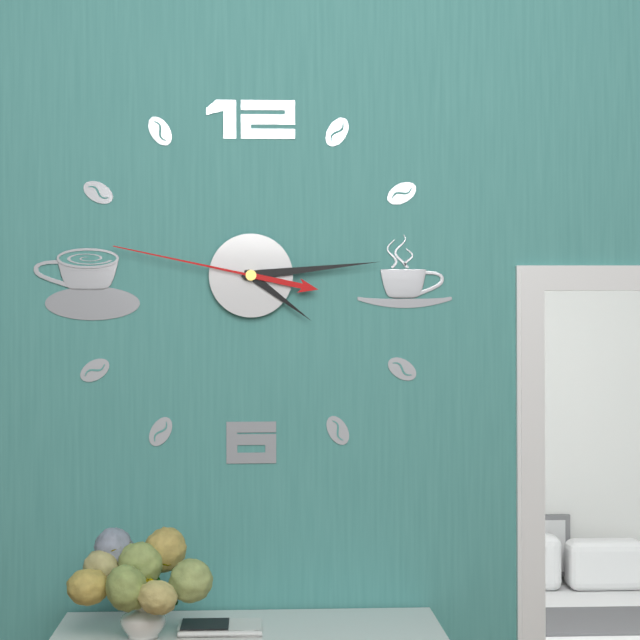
4:14:47
